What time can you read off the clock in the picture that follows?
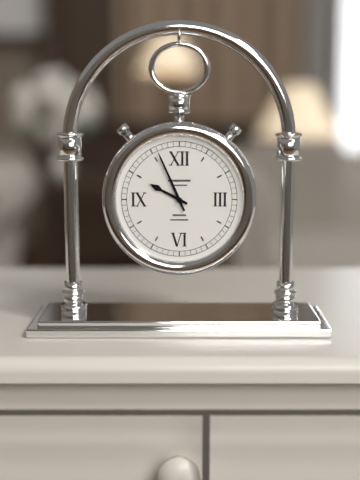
9:56
